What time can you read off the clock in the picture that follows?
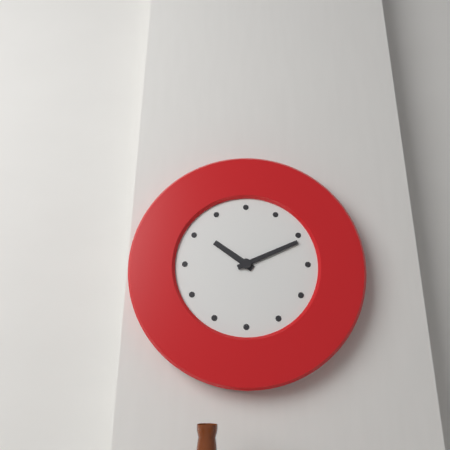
10:11
